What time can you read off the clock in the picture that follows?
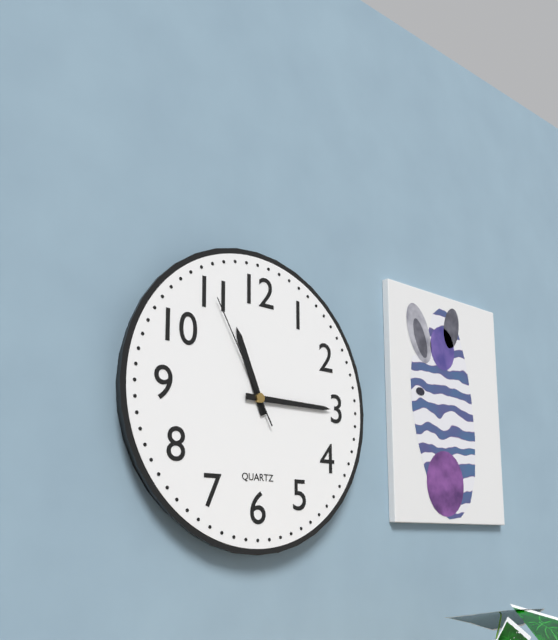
11:15:55
